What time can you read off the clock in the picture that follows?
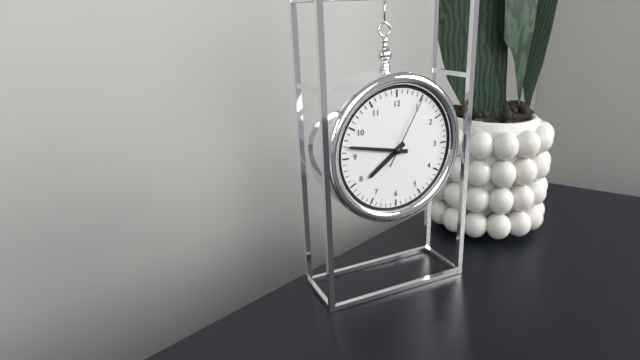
7:47:05
